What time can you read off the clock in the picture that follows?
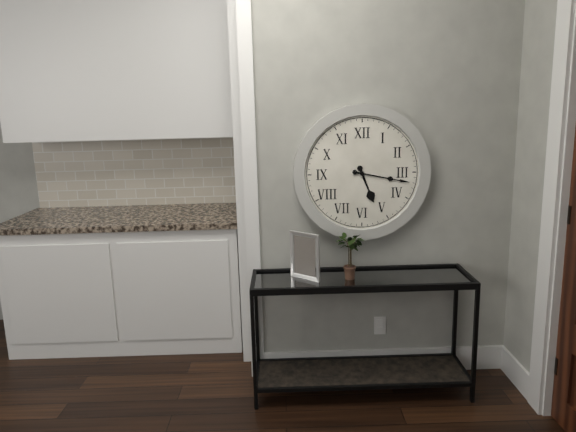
5:17
